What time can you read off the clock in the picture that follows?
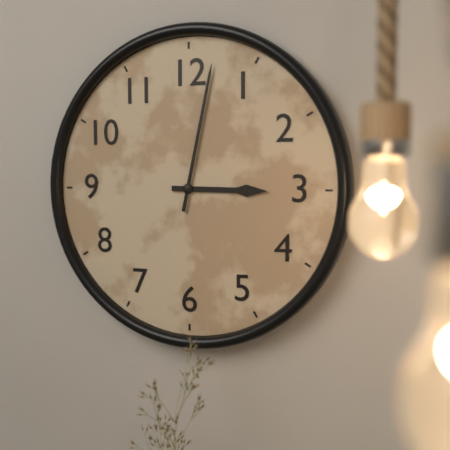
3:02
